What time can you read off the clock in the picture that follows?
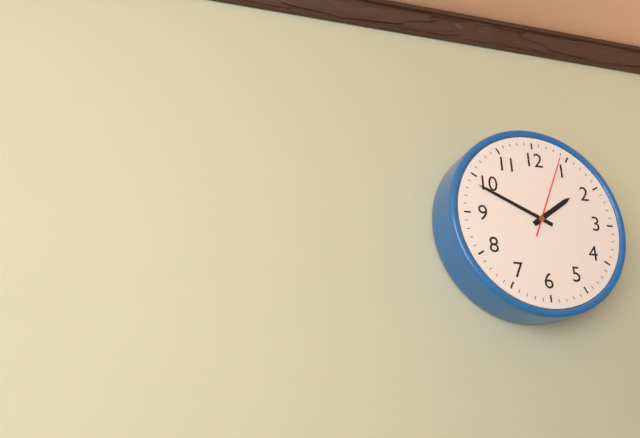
1:49:04
